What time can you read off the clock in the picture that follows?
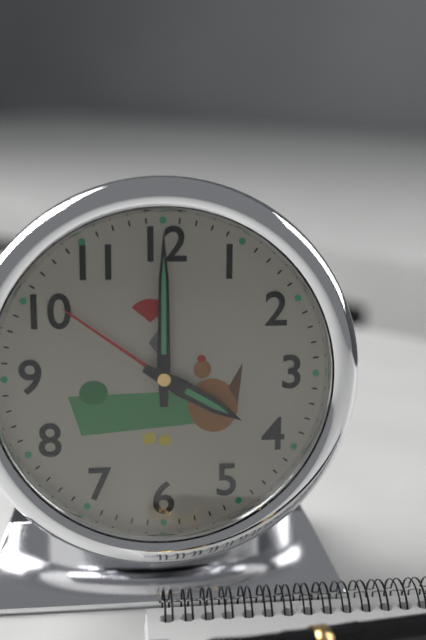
4:00
